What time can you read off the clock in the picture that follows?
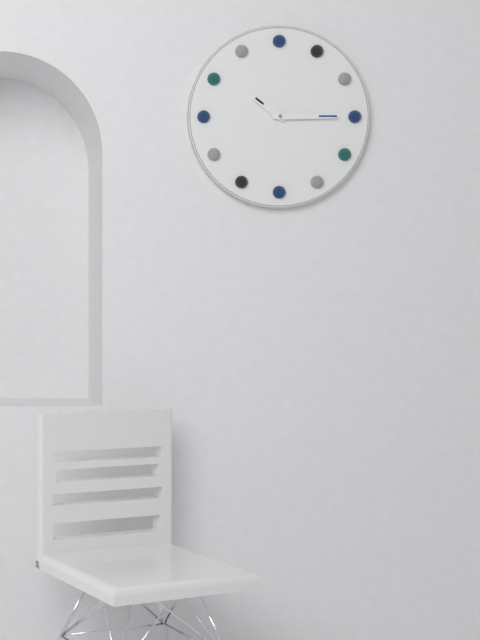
10:15
